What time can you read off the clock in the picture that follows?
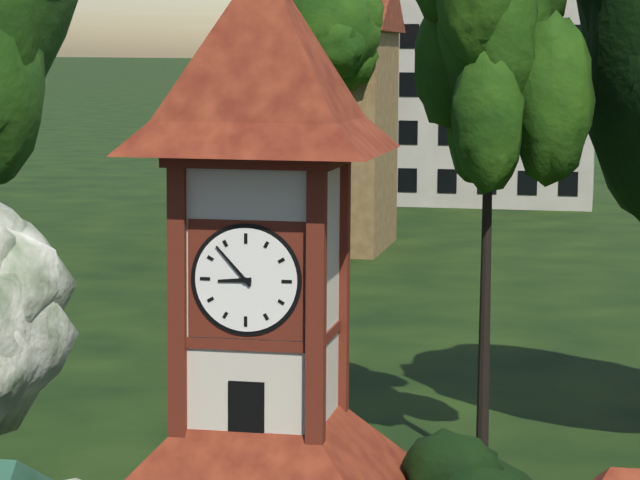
8:53
